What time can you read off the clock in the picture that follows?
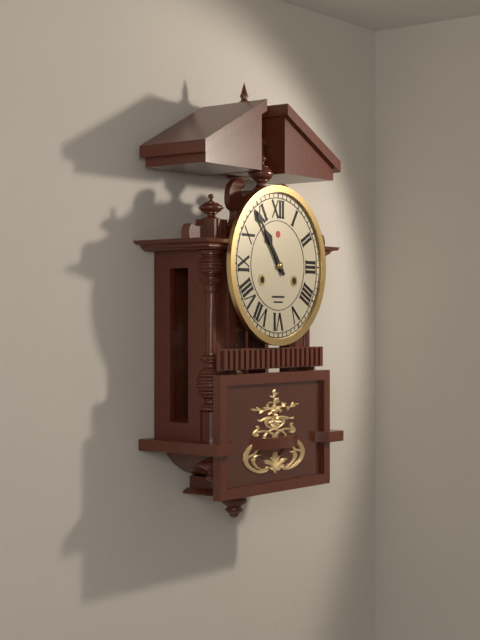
10:54
